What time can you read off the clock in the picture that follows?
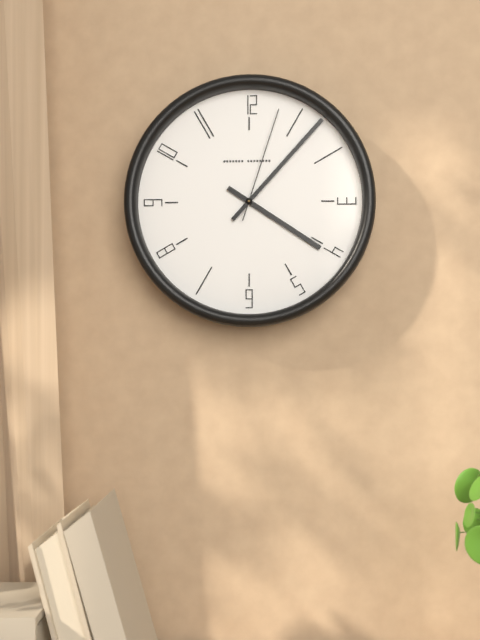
4:07:03
